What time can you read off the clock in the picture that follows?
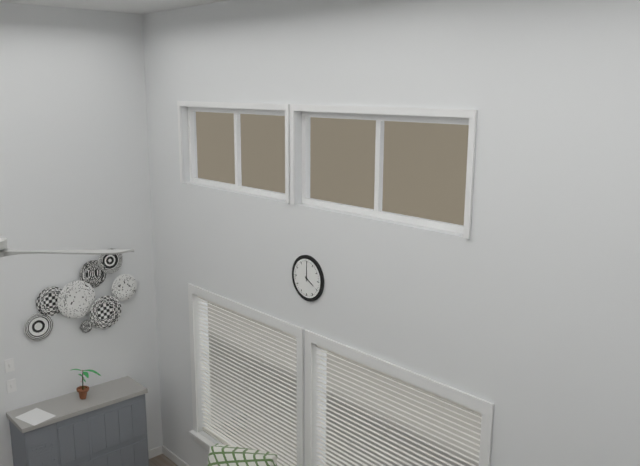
4:00
